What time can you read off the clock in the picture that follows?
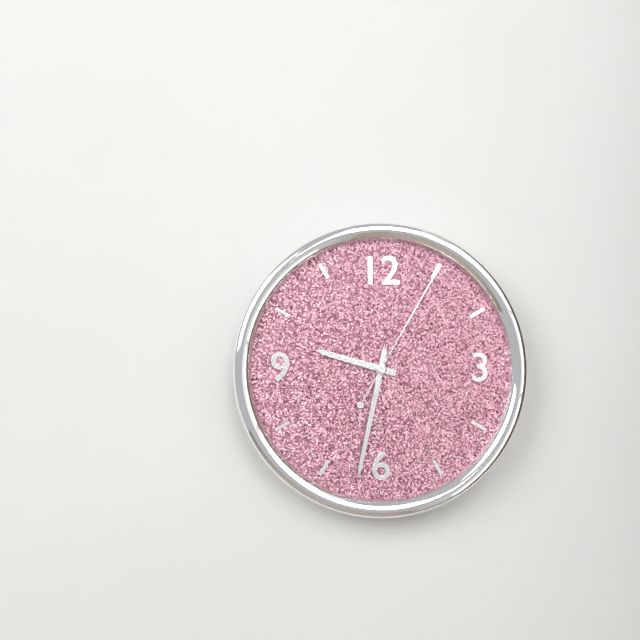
9:32:05
